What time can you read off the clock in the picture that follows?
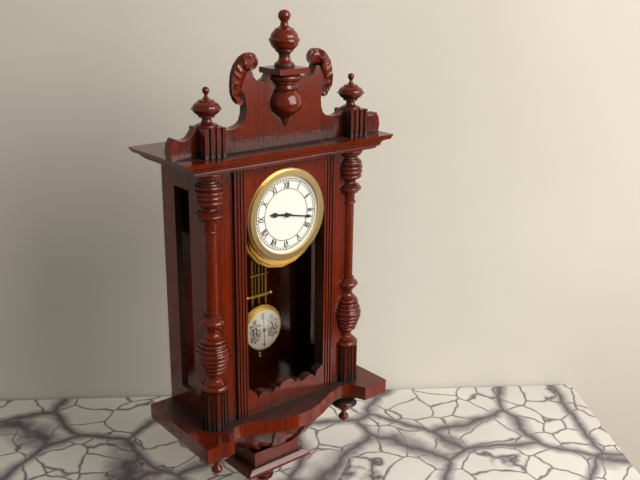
9:17
